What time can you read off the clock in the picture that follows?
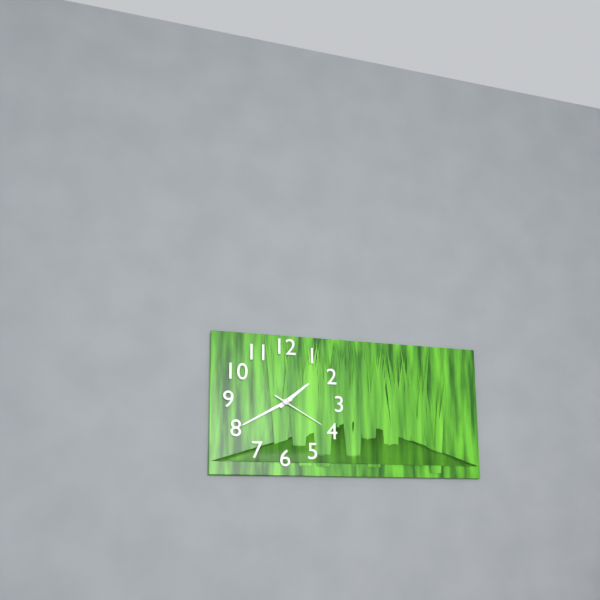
1:40:20
